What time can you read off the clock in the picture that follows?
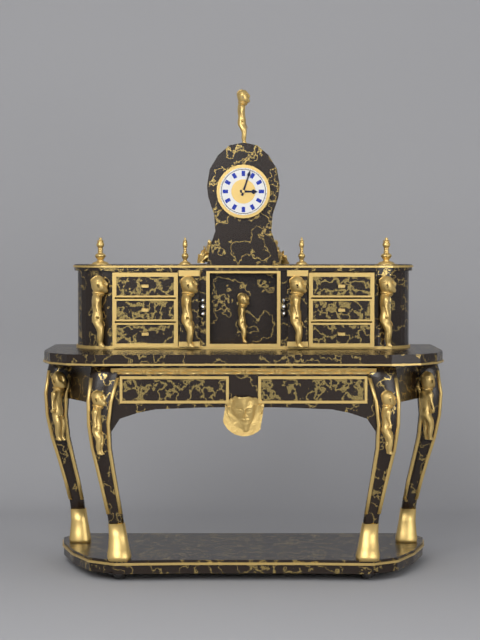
3:03
